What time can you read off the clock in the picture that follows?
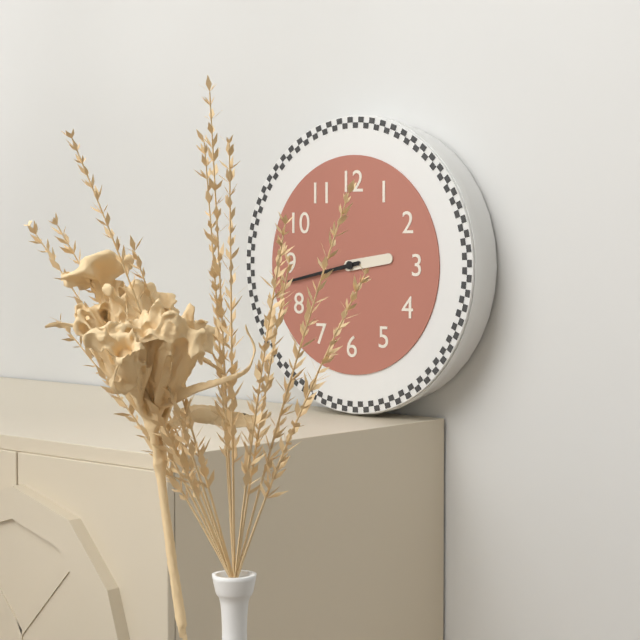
2:43
